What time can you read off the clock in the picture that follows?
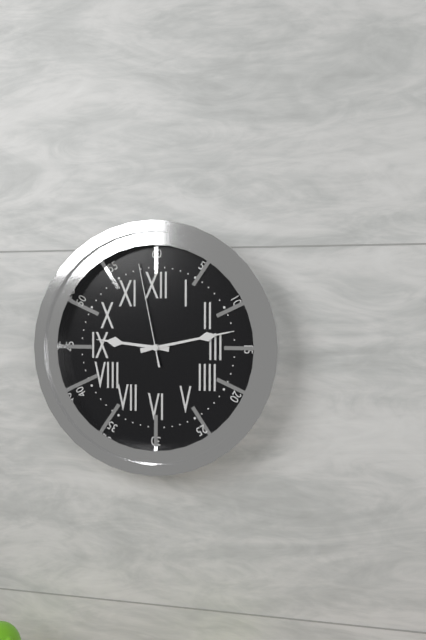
9:13:58
